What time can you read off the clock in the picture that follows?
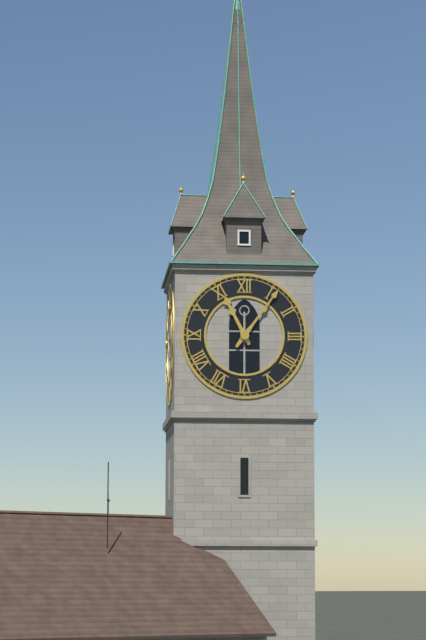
11:06
